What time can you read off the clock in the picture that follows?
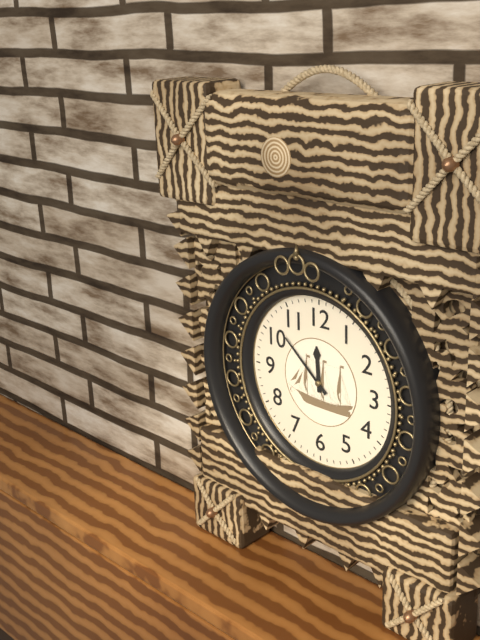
11:52
